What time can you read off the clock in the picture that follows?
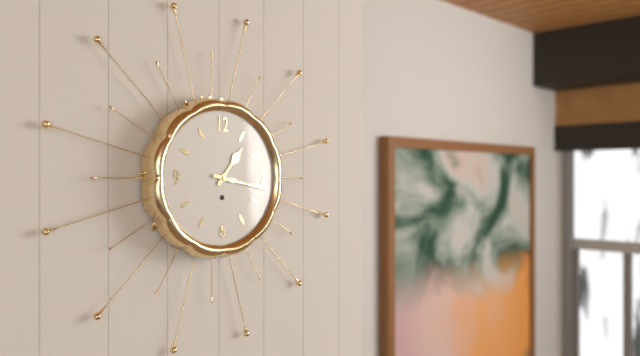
1:17
